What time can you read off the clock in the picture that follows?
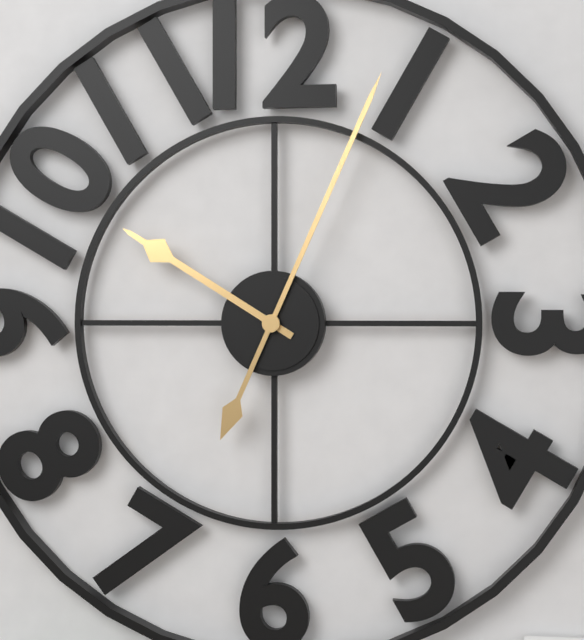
10:04
